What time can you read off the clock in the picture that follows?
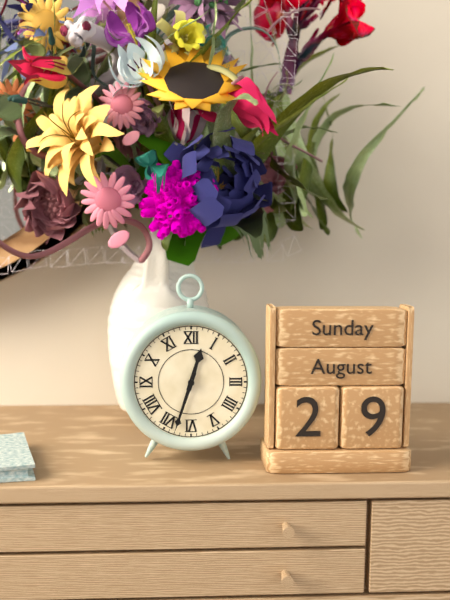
12:33
